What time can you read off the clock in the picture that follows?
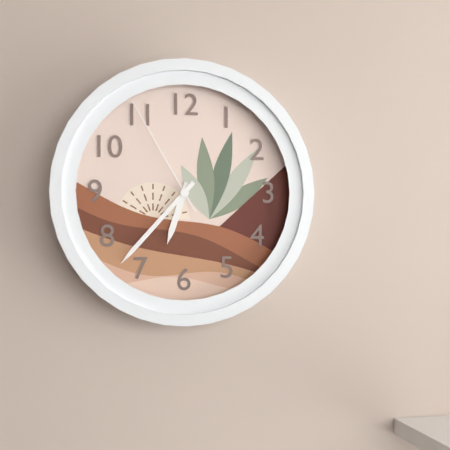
6:37:55
